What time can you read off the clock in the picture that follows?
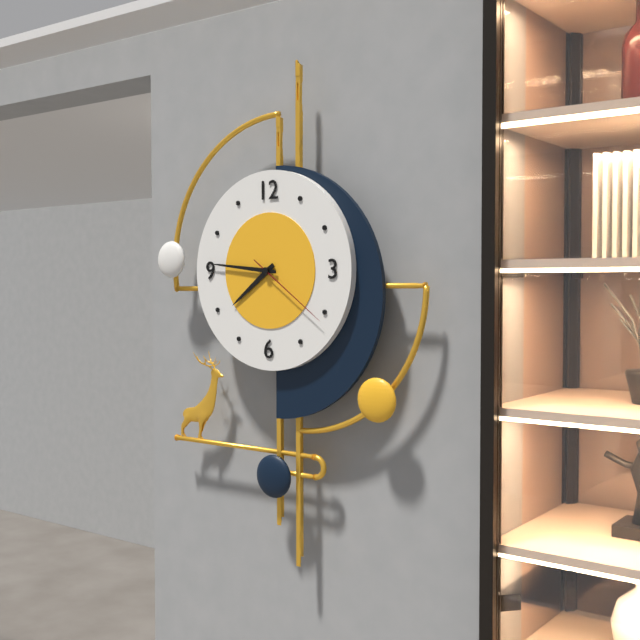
7:46:21
